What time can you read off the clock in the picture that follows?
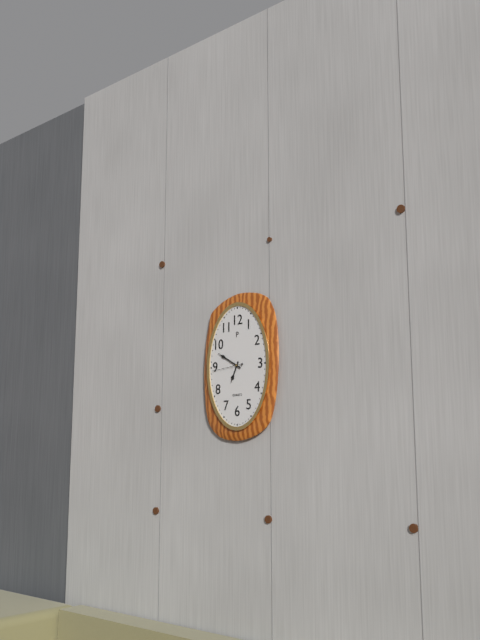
6:50
